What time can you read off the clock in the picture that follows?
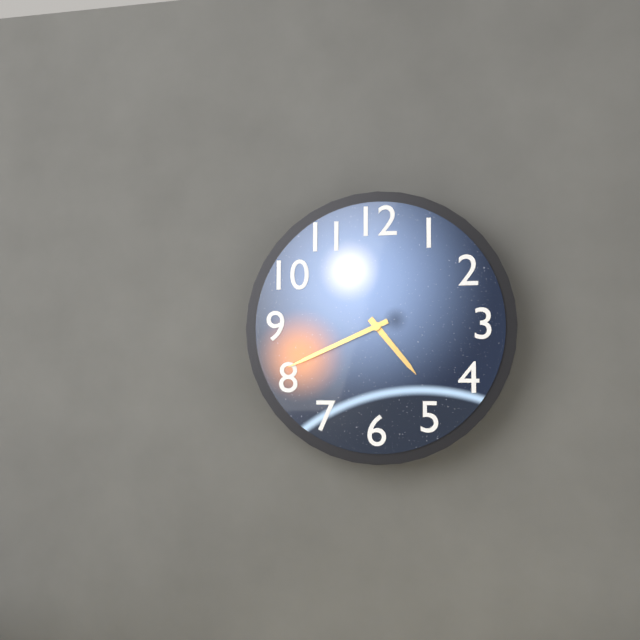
4:41
